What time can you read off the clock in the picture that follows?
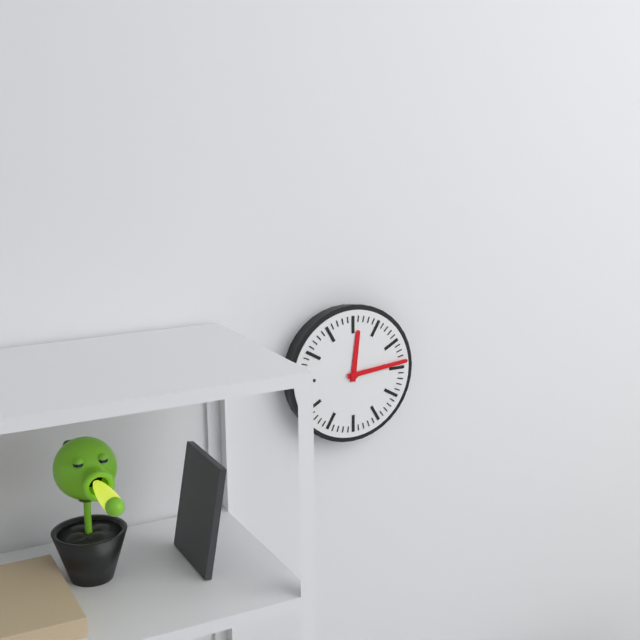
12:14
